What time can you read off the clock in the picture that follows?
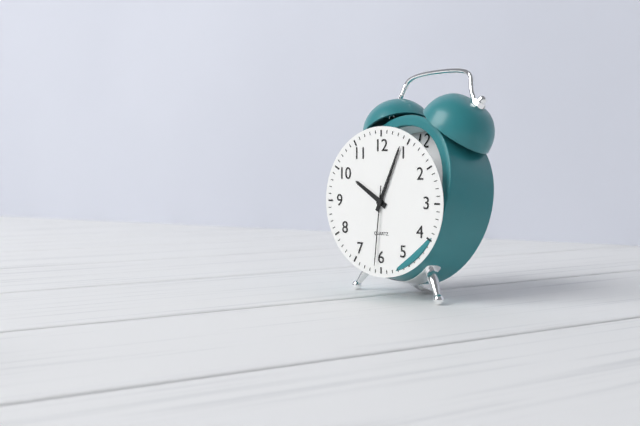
10:04:31
